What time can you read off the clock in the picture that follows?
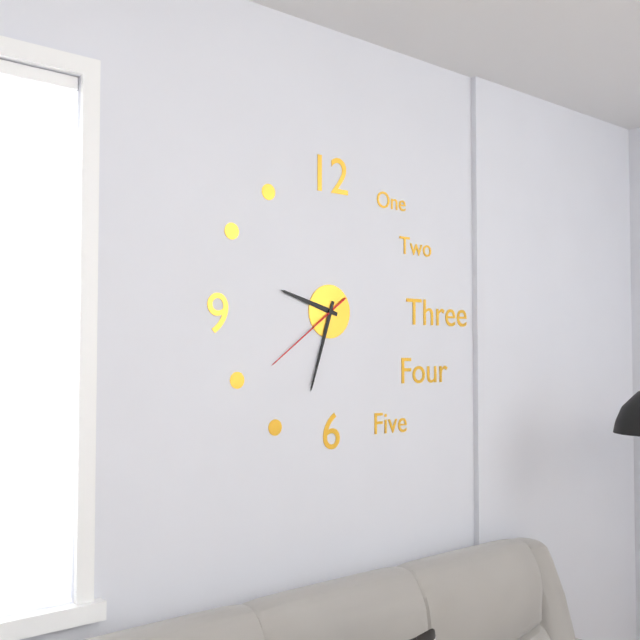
9:33:39
